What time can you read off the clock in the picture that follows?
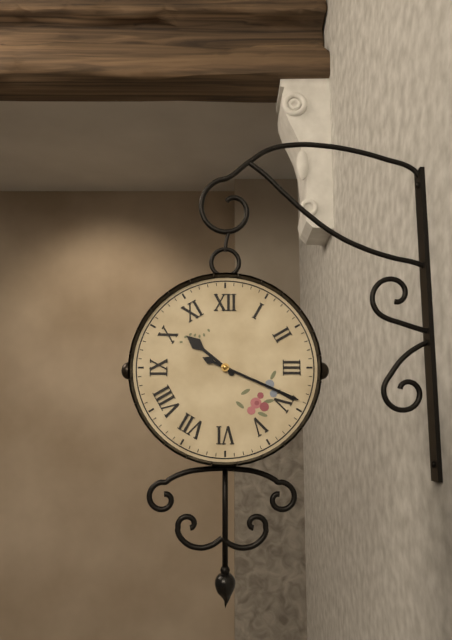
10:19
